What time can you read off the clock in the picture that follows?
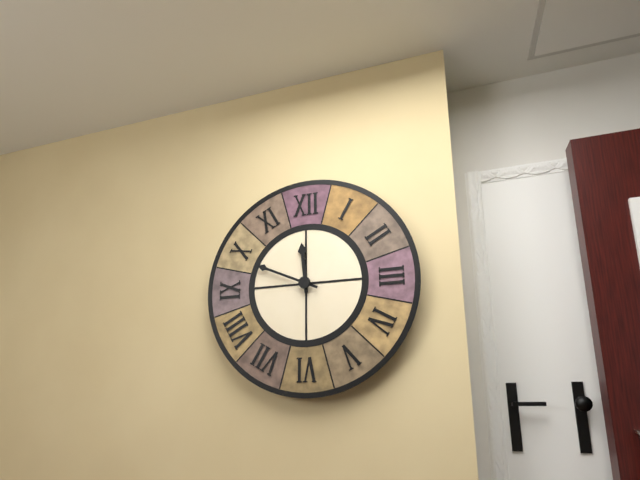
11:49
